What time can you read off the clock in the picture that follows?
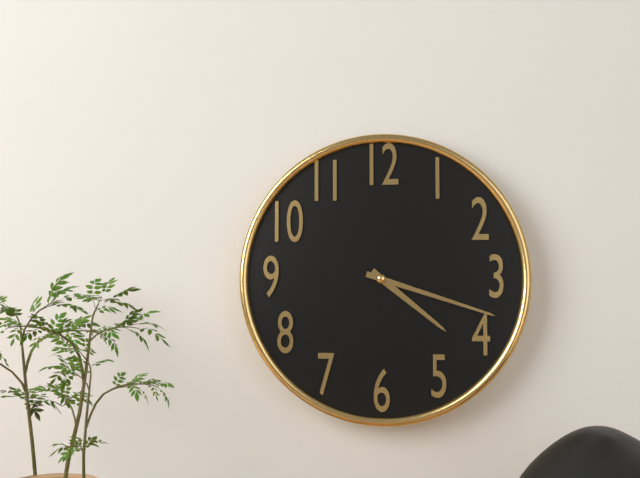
4:18
